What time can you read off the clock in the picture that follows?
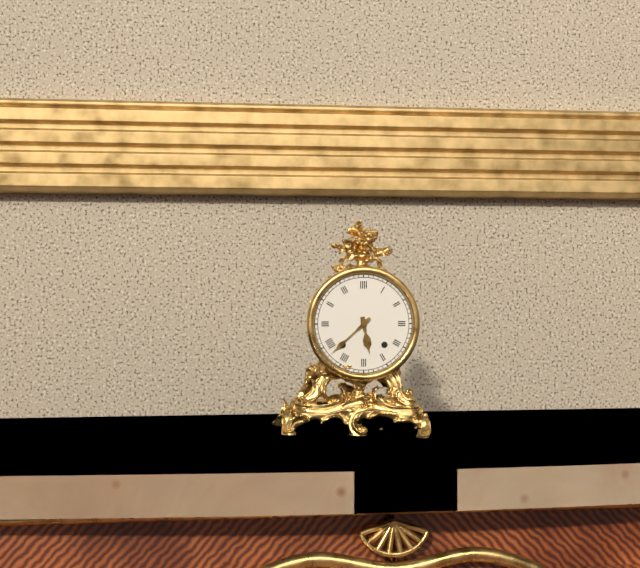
5:38
